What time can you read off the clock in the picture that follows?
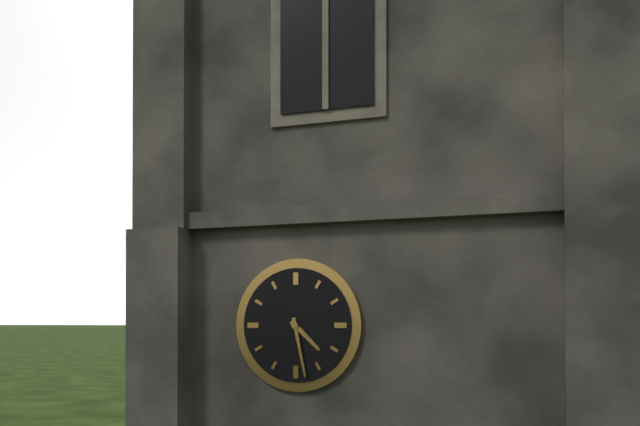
4:28
